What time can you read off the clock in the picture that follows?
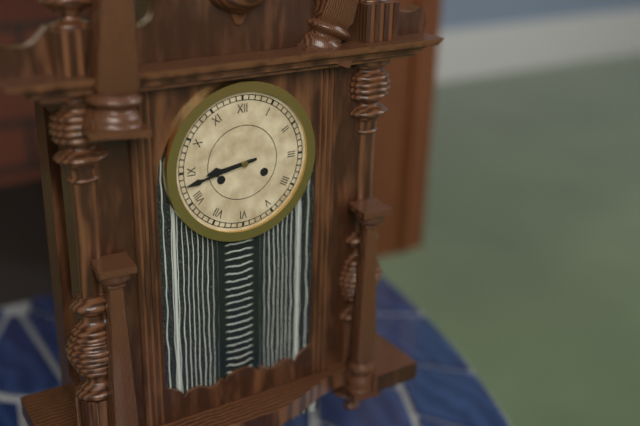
8:43
